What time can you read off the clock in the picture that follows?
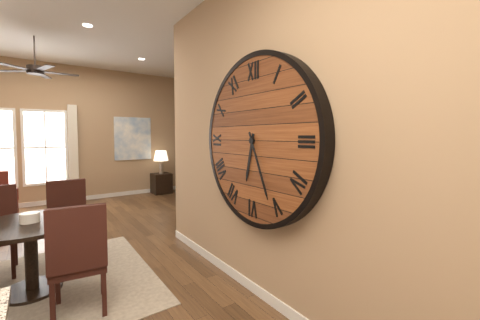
6:26
